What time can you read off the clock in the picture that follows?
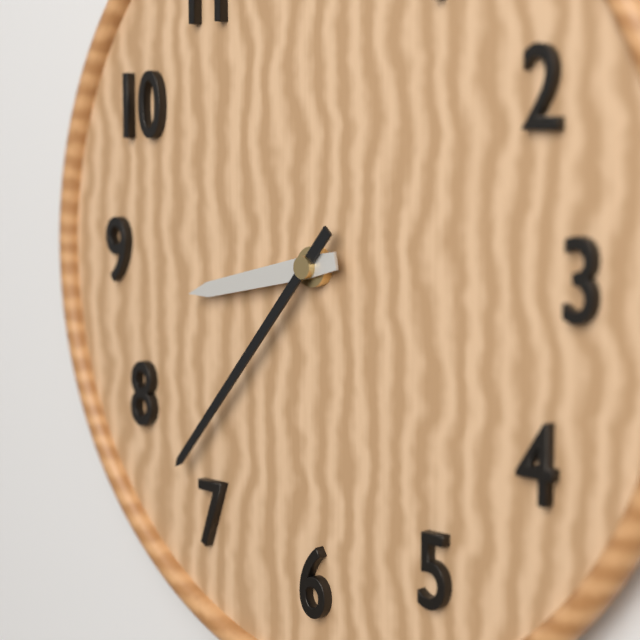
8:37
